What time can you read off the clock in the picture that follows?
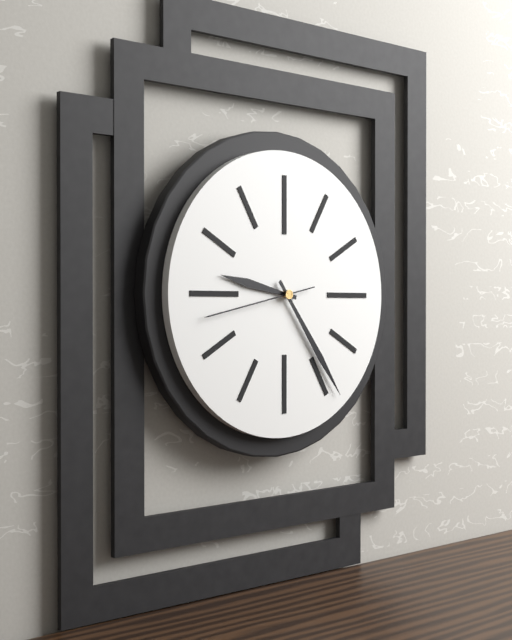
9:24:43
